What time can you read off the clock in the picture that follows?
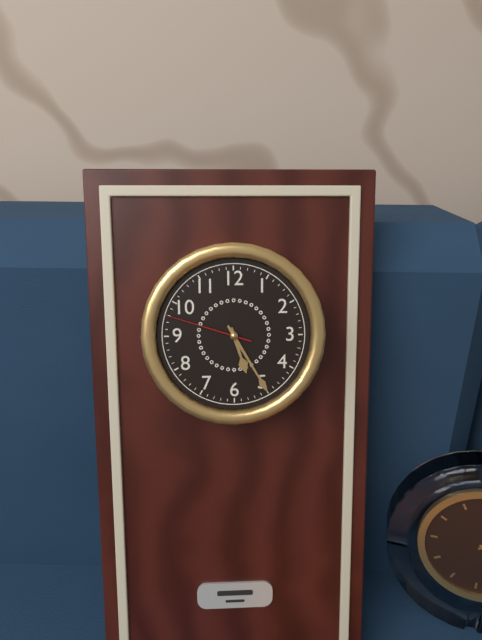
5:25:48
